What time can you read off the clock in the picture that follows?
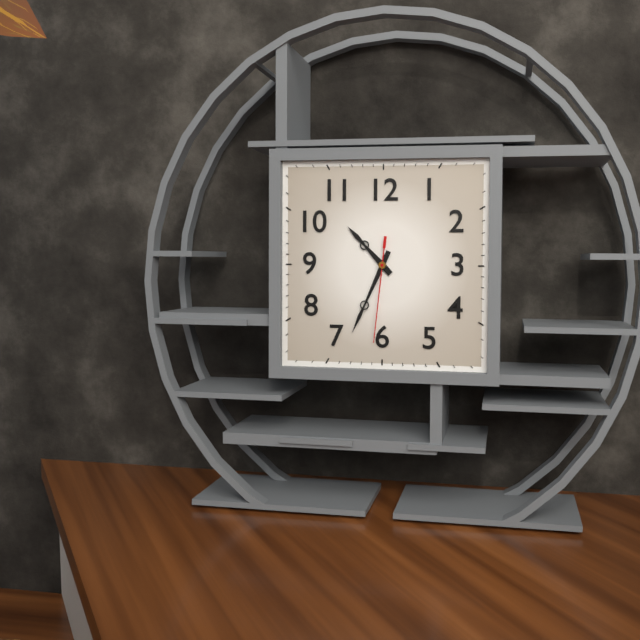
10:34:31
